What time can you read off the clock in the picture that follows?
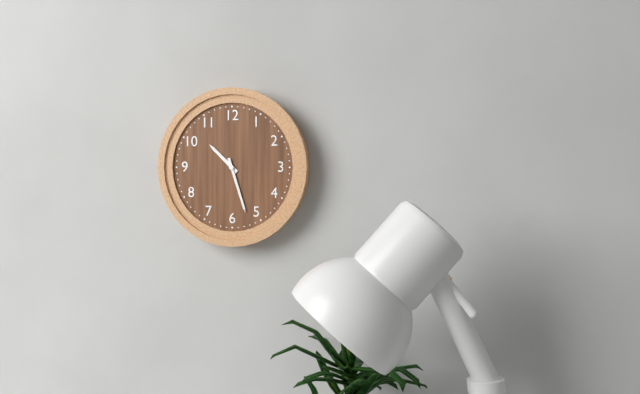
10:27
